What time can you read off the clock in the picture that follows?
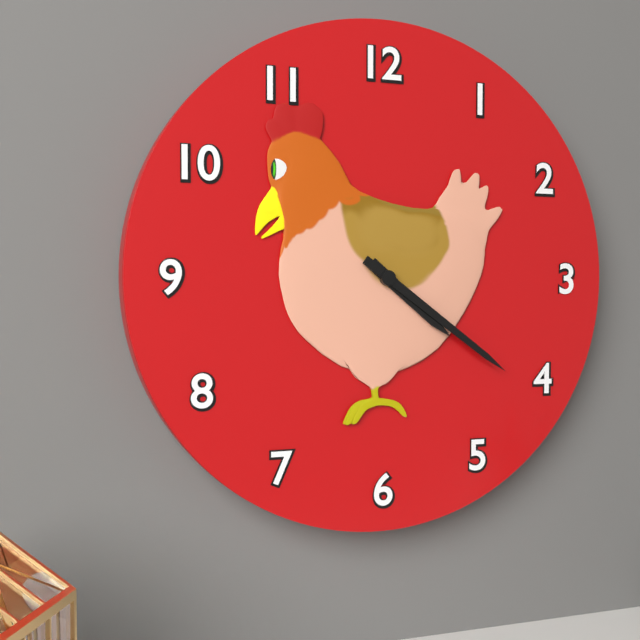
4:21
